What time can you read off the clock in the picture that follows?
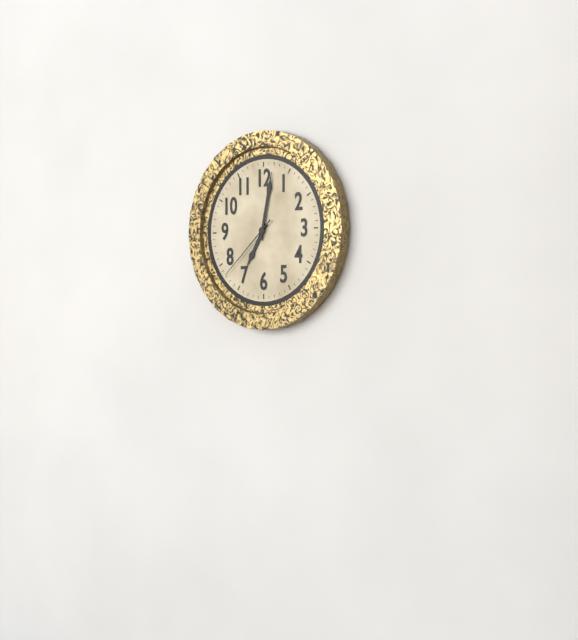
7:02:38
